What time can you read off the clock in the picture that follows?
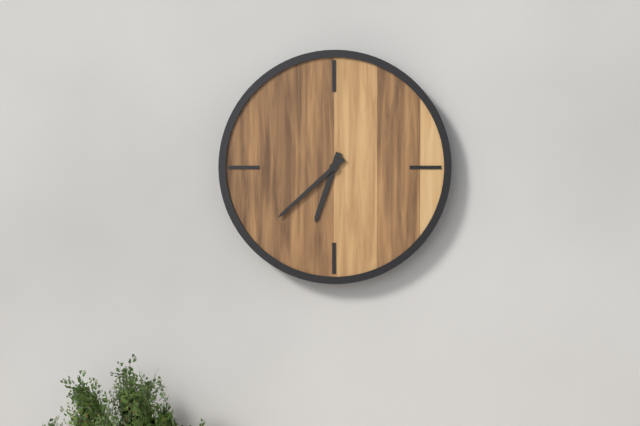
6:38
